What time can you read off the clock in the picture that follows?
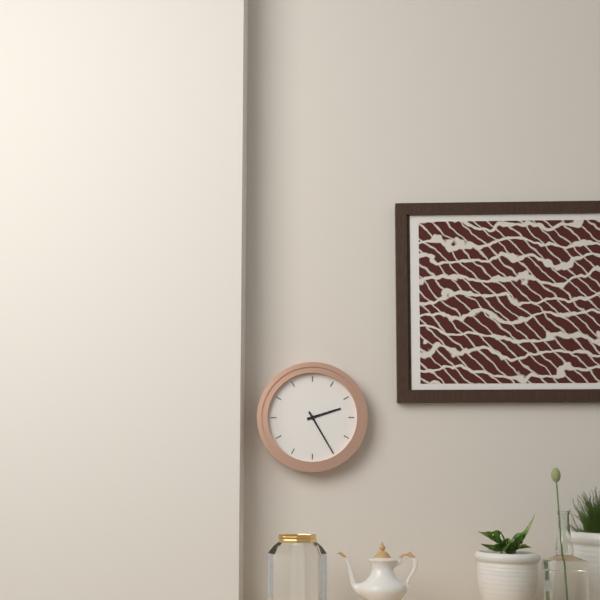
2:25
